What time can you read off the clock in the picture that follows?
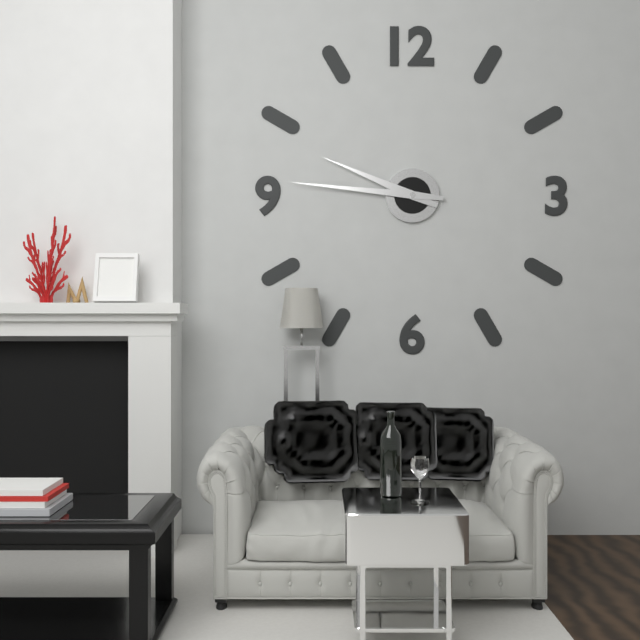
9:46
